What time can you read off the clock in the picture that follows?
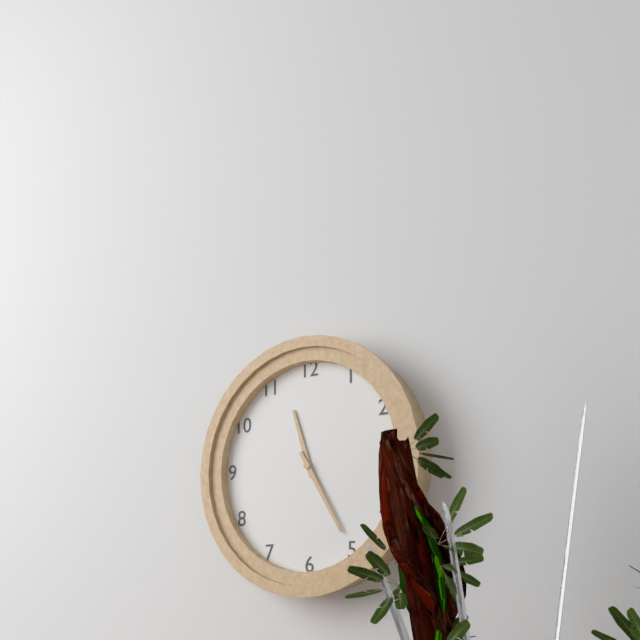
11:25
